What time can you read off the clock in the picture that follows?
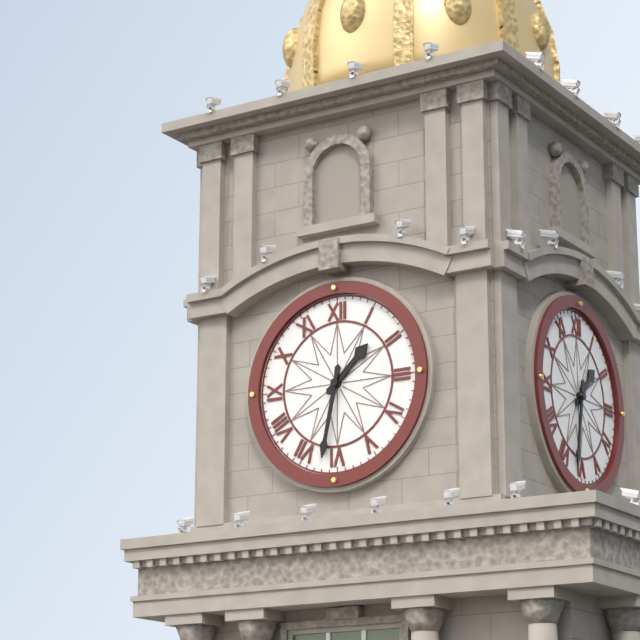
1:32
